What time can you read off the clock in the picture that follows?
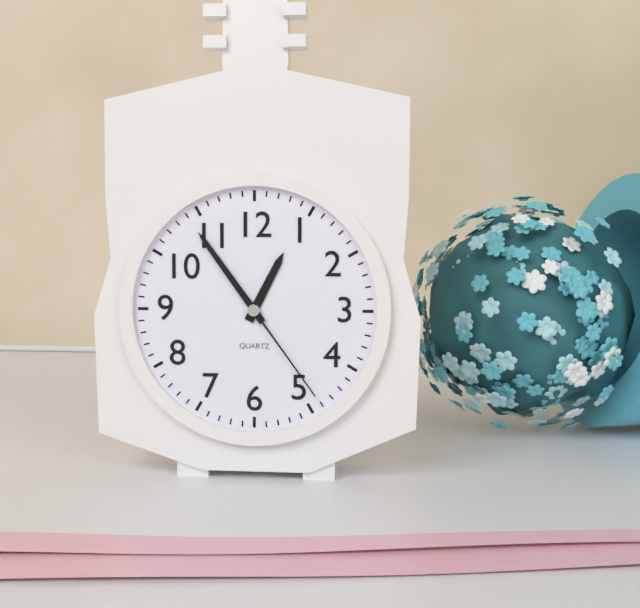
12:54:24
